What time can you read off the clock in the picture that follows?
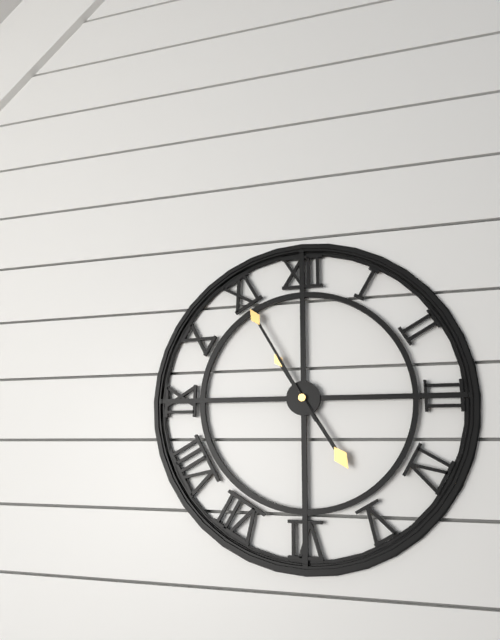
4:55
